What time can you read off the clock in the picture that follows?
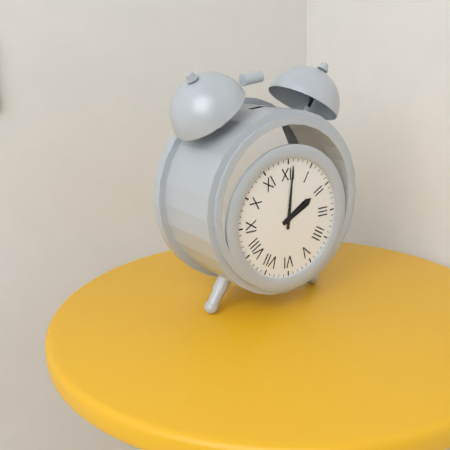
2:01
